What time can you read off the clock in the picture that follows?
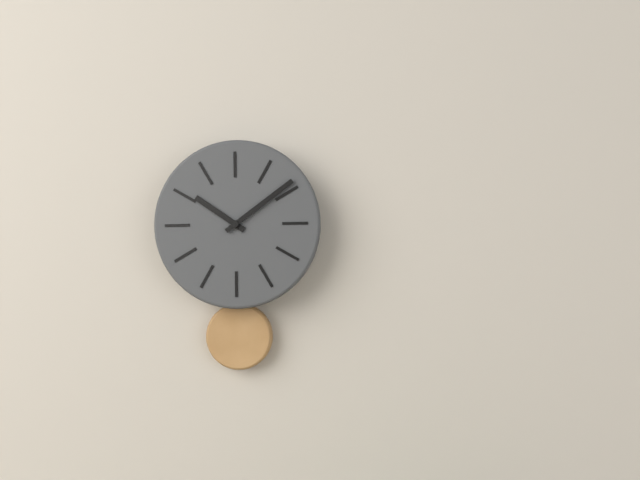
10:09
